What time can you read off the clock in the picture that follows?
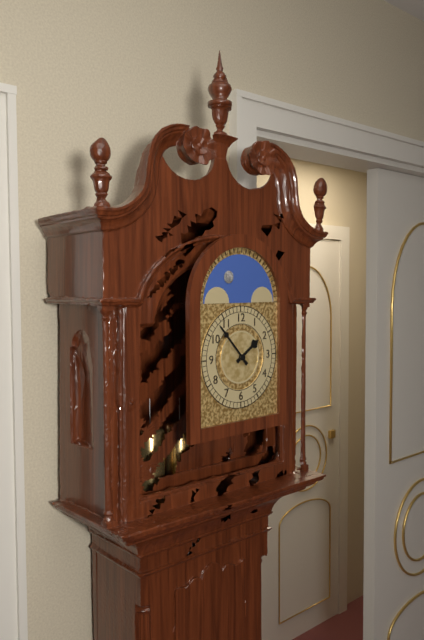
1:53
